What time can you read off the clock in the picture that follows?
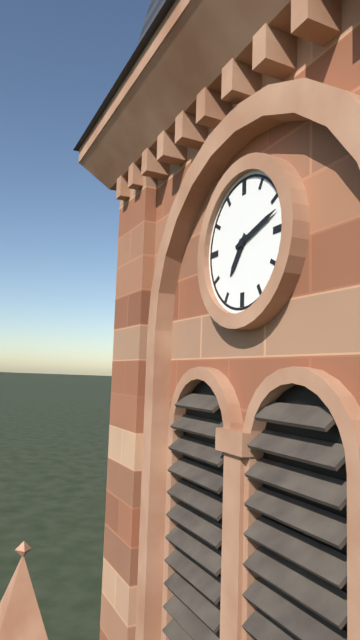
7:12
